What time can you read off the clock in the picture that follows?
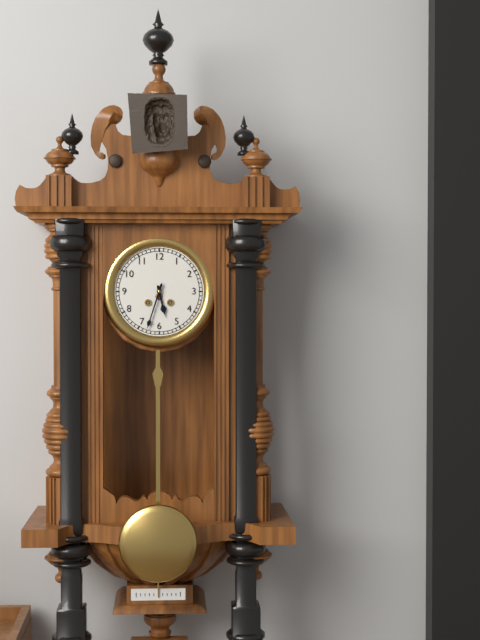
5:33
